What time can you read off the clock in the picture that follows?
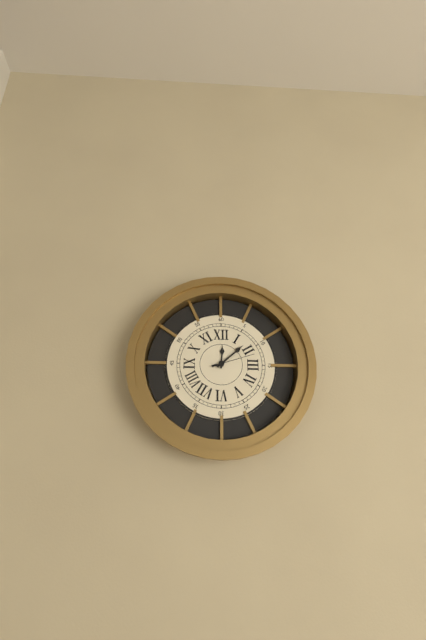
12:08
